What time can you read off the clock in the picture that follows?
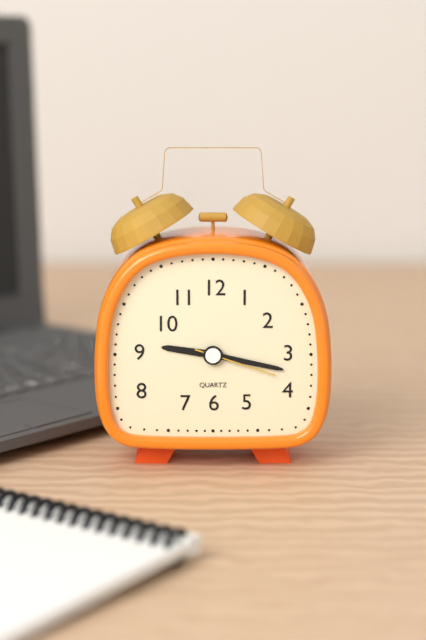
9:17:18
